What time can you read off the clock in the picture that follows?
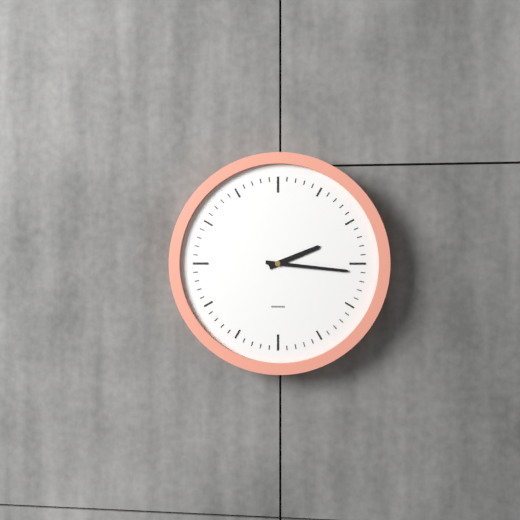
2:16
